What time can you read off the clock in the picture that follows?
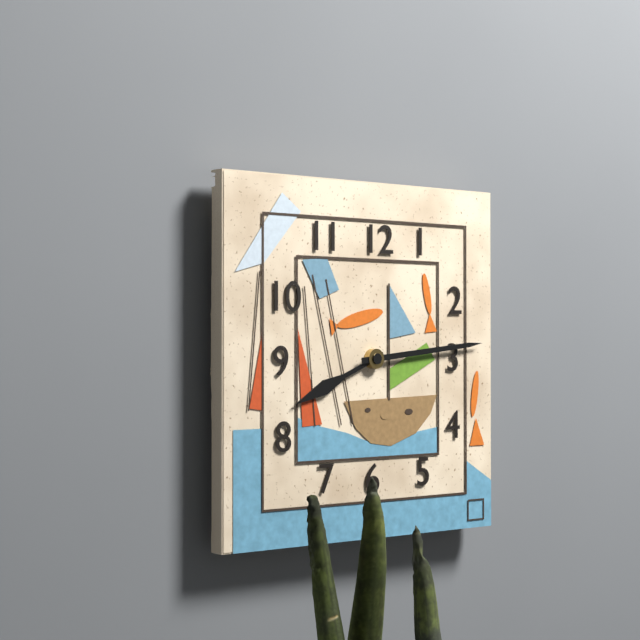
8:14
